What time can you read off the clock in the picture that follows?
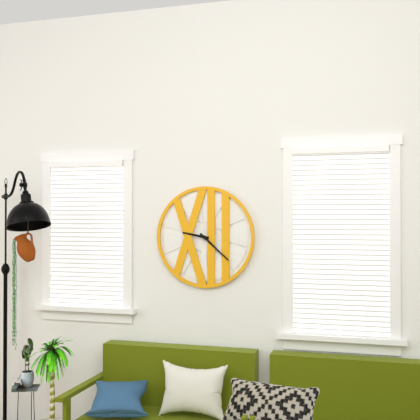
9:22
